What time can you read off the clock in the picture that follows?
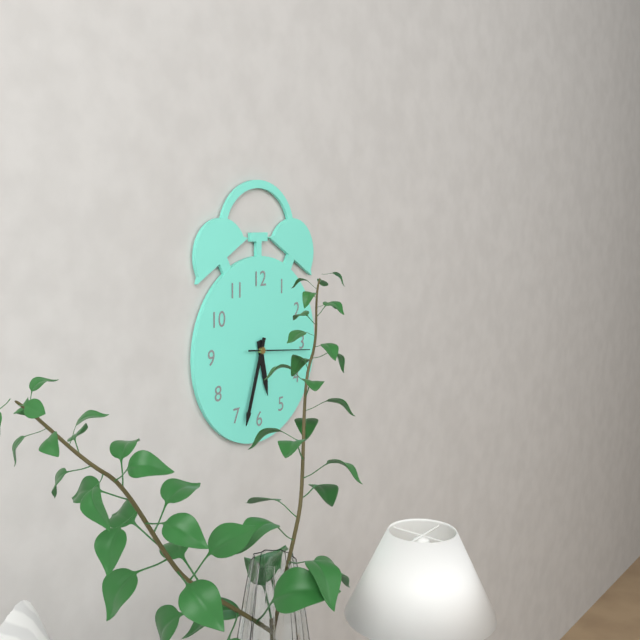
5:33:16
